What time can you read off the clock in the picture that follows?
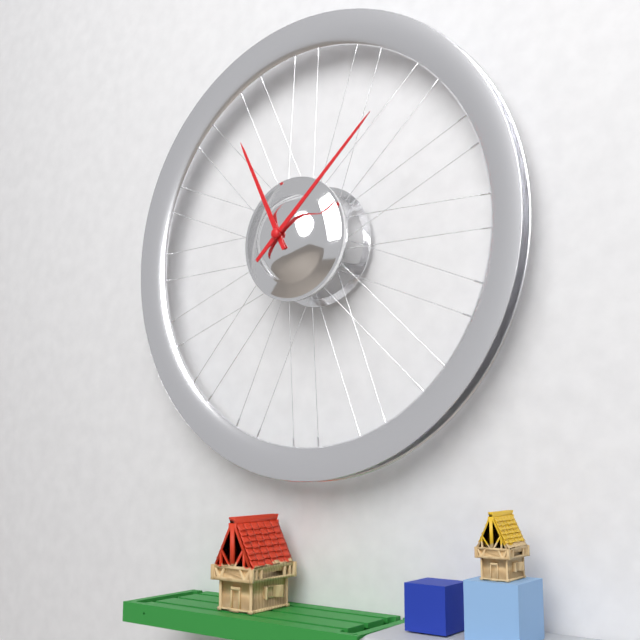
11:08
